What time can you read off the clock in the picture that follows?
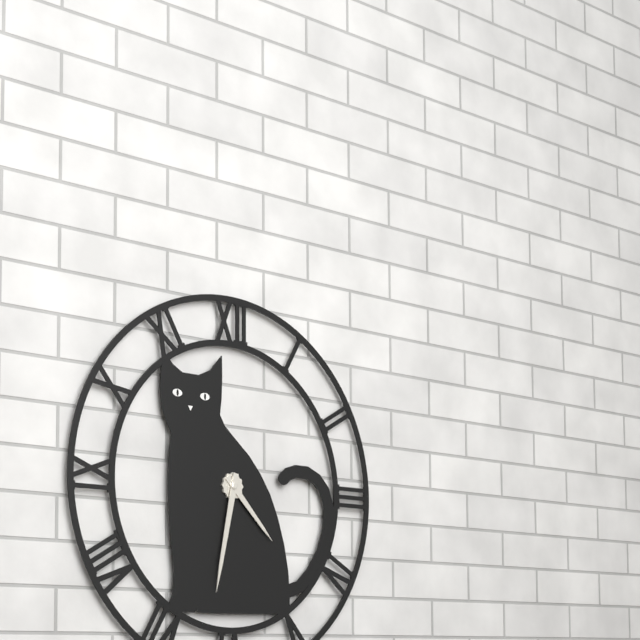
4:32
